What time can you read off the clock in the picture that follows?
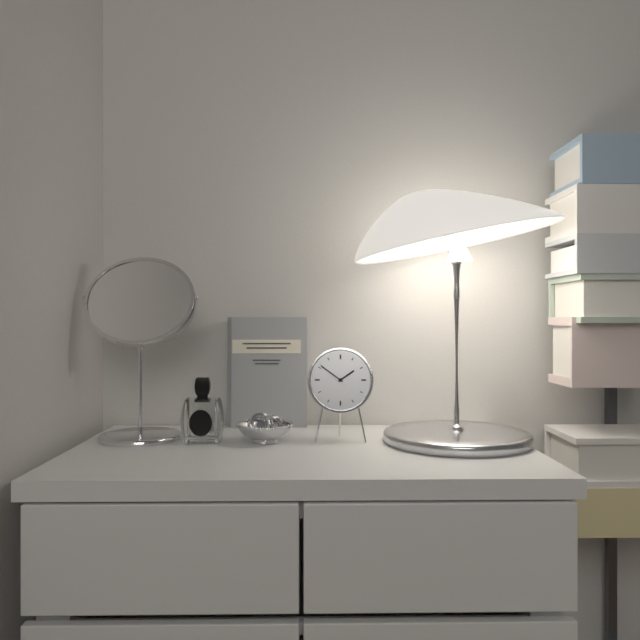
1:51
